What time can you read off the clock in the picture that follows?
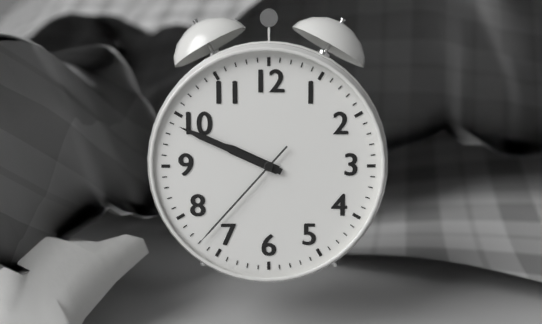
9:49:37
